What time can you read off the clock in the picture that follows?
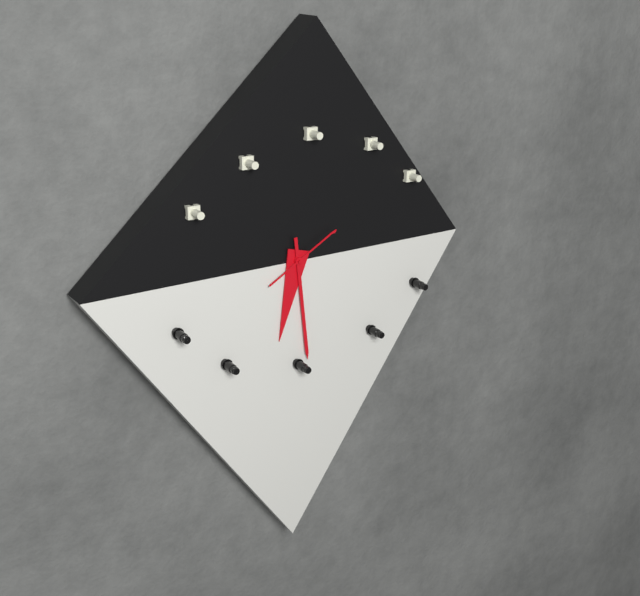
6:29:10
